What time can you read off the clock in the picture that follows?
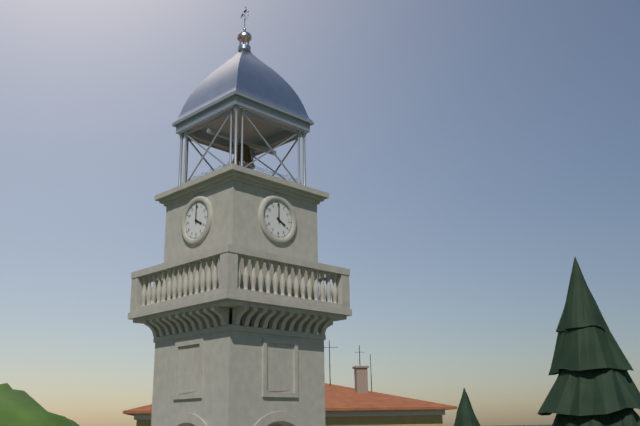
4:00
